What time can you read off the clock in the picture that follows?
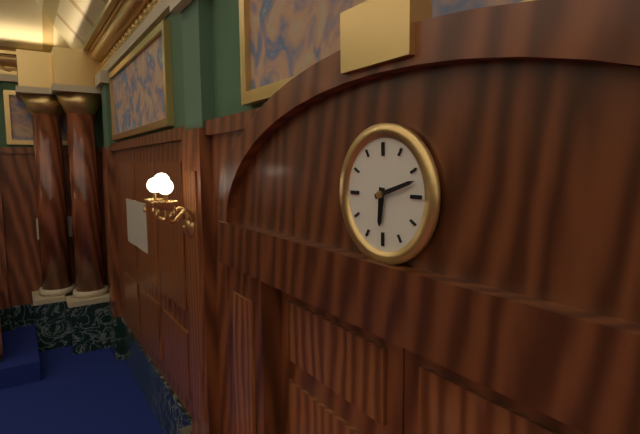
6:12
